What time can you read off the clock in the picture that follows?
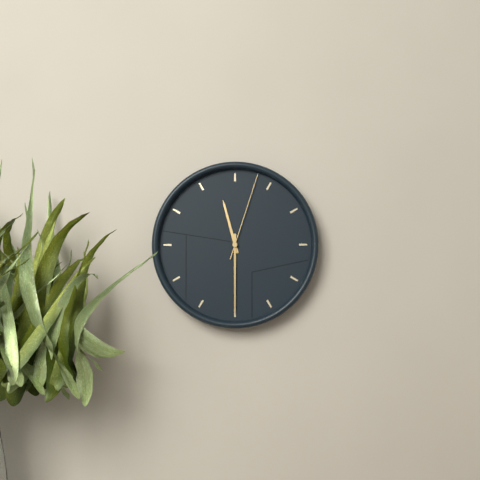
11:30:03
